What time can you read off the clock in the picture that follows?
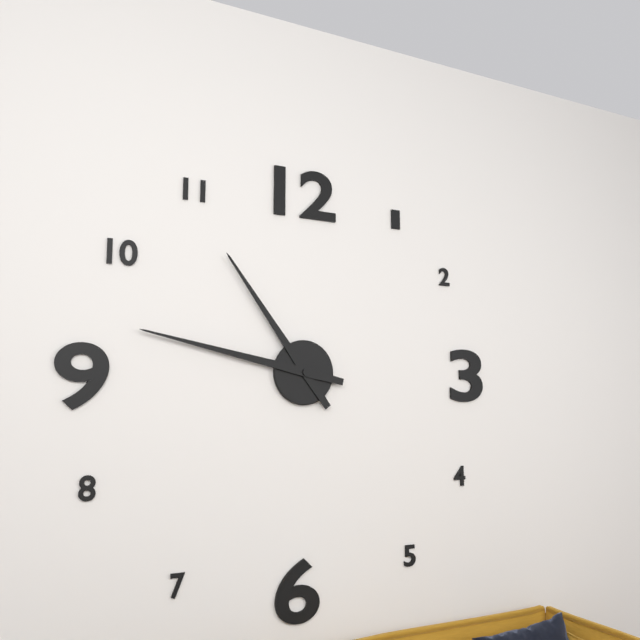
10:47
